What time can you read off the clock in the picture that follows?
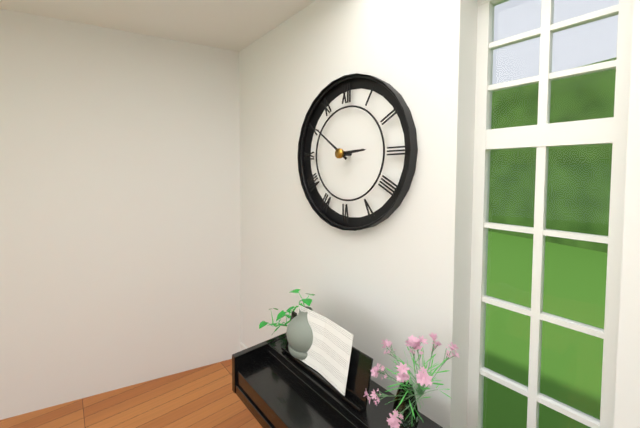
2:51
